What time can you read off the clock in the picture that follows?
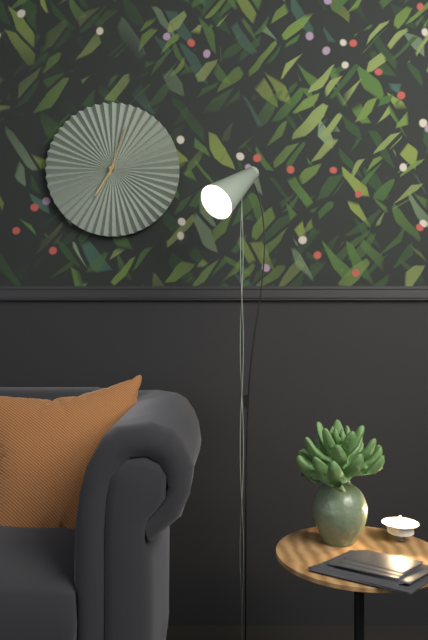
7:03
